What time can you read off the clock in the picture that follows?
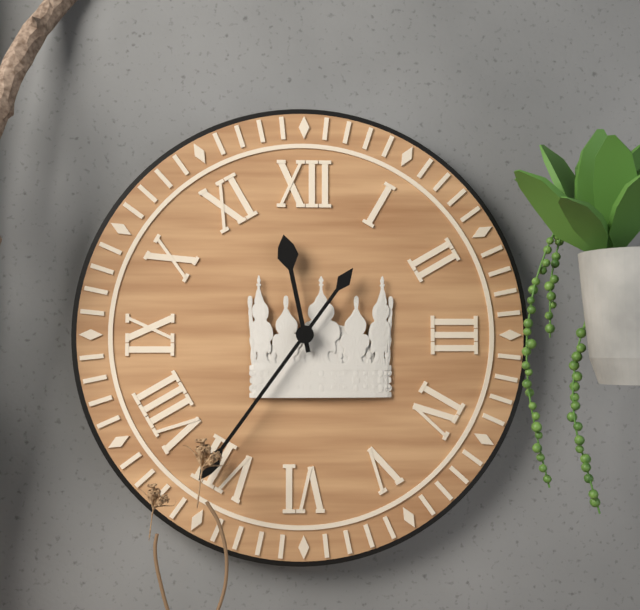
11:36
